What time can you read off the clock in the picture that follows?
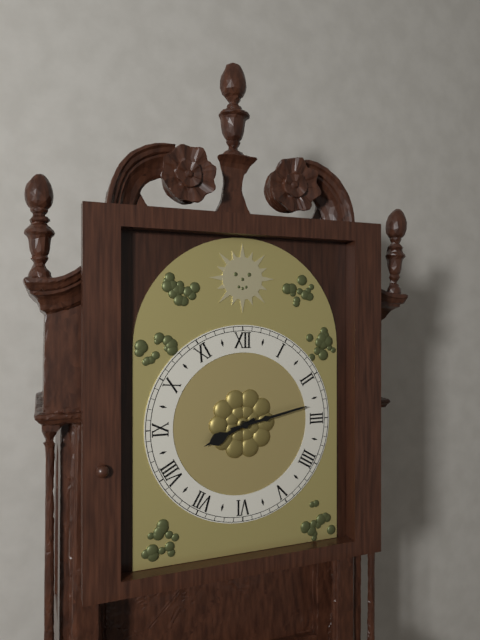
8:13
